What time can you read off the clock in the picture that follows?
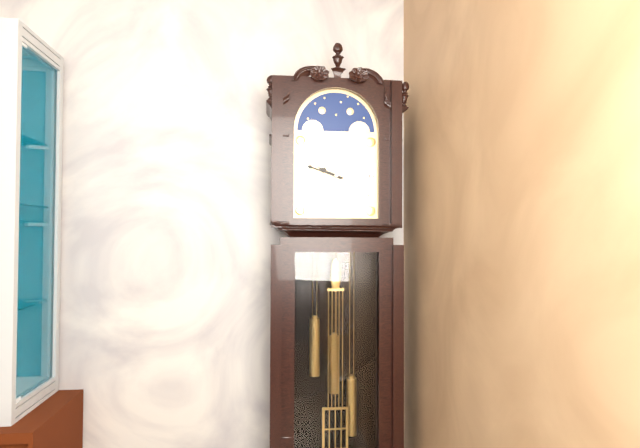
9:48
